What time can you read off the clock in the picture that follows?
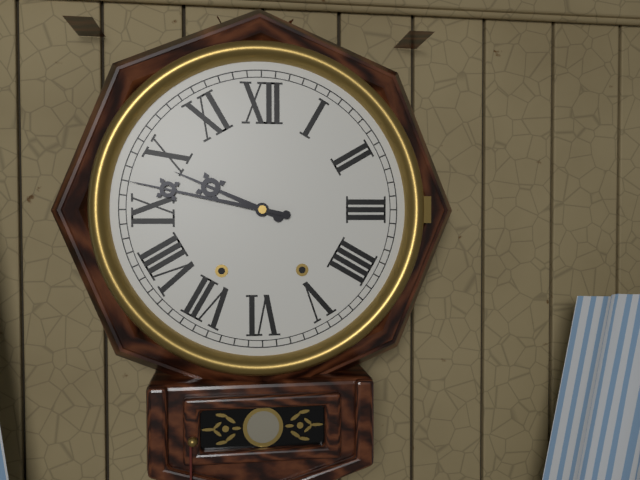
9:47
